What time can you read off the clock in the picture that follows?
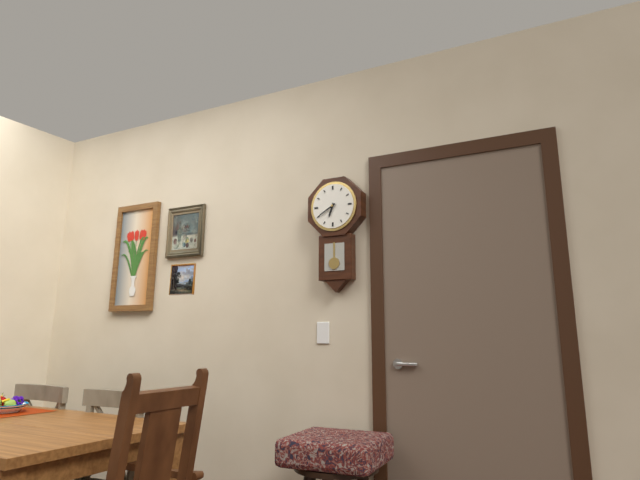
6:40
